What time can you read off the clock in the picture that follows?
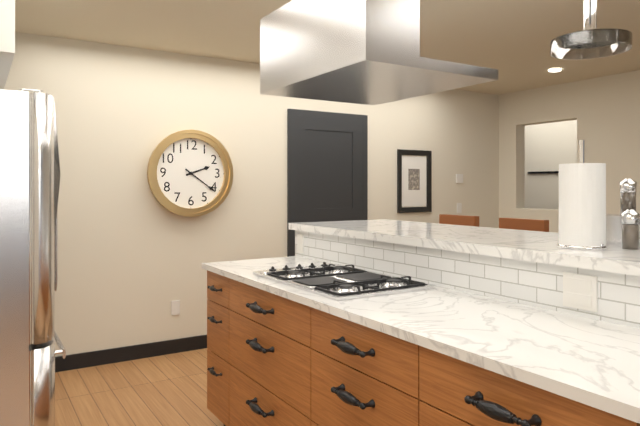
2:21
